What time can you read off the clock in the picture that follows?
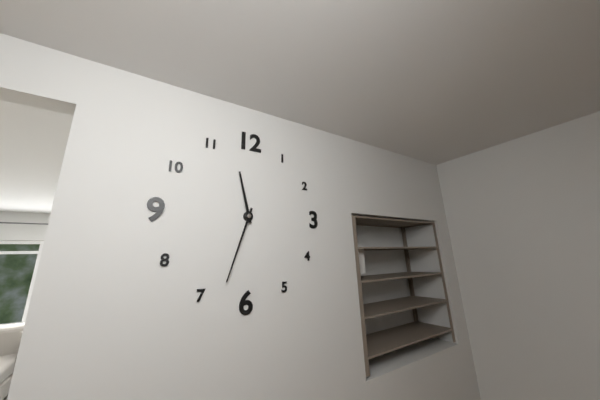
11:33
